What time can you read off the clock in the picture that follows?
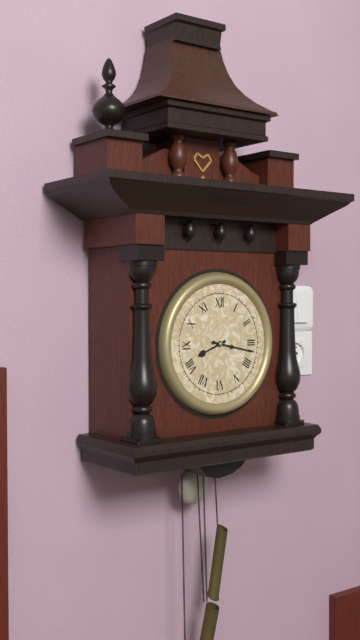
8:17
